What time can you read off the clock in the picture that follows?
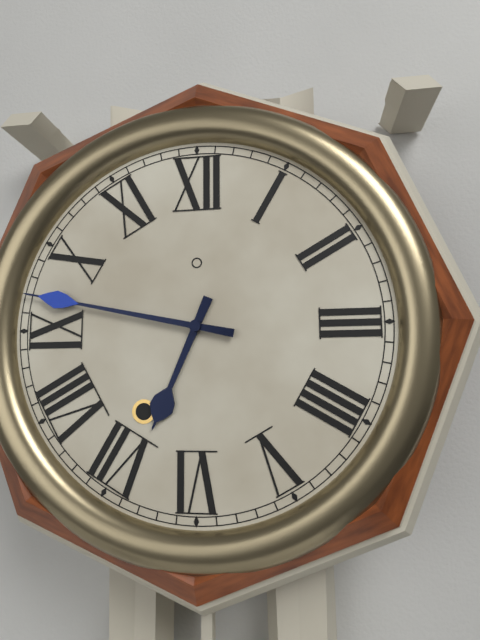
6:47
